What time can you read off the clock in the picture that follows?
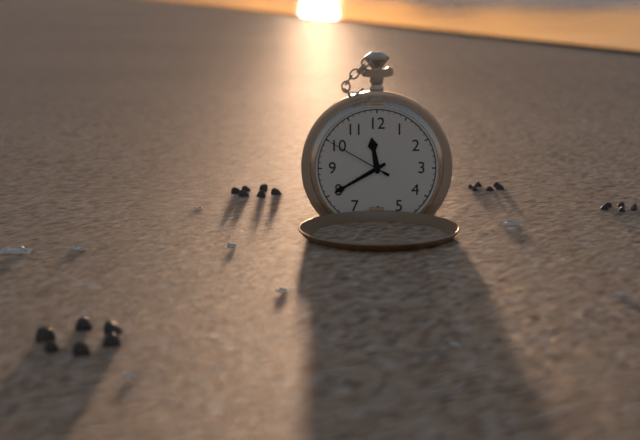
11:40:50
